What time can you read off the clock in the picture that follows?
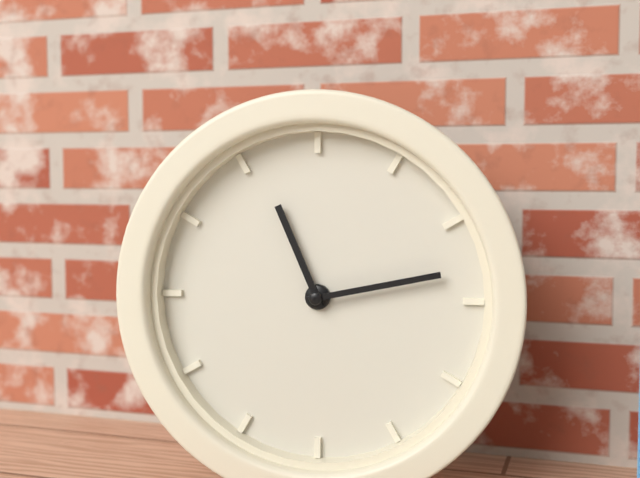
11:13
